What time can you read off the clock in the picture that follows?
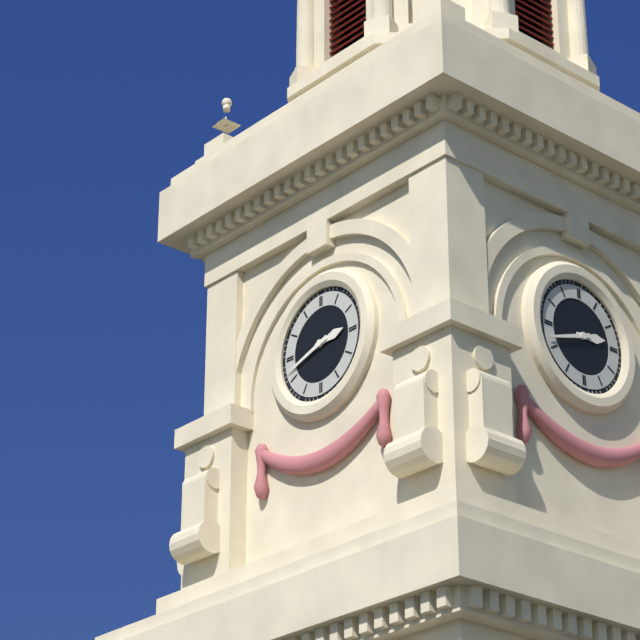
2:42
